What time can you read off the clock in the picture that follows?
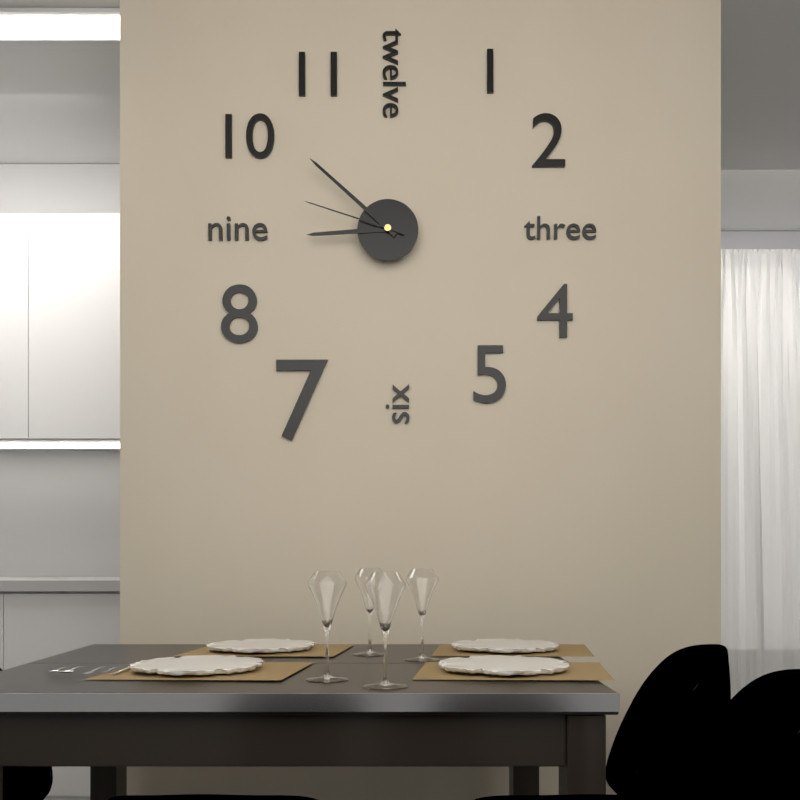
8:52:48
